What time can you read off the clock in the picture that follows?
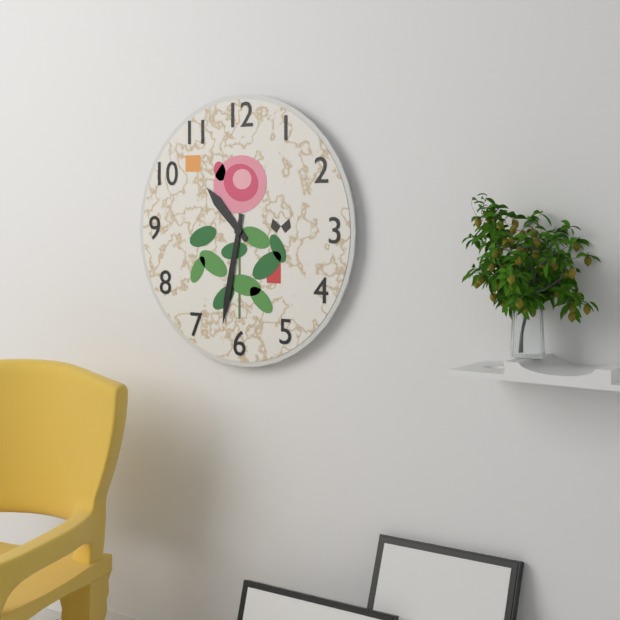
10:32
